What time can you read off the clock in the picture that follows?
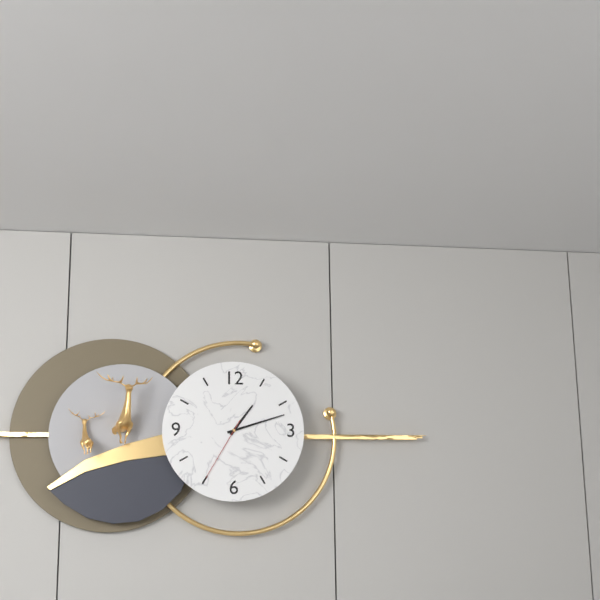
1:12:35
